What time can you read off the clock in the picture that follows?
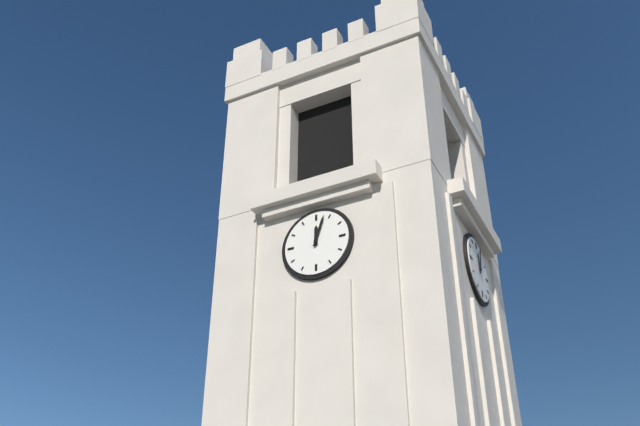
12:03
